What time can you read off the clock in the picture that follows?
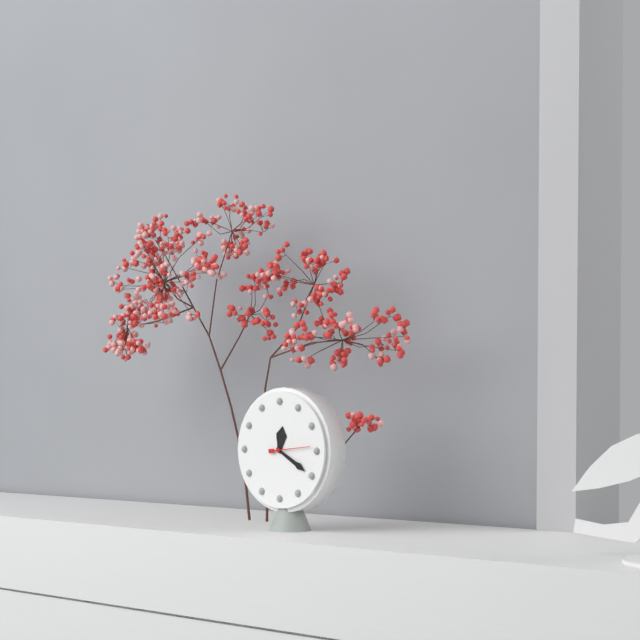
12:20
